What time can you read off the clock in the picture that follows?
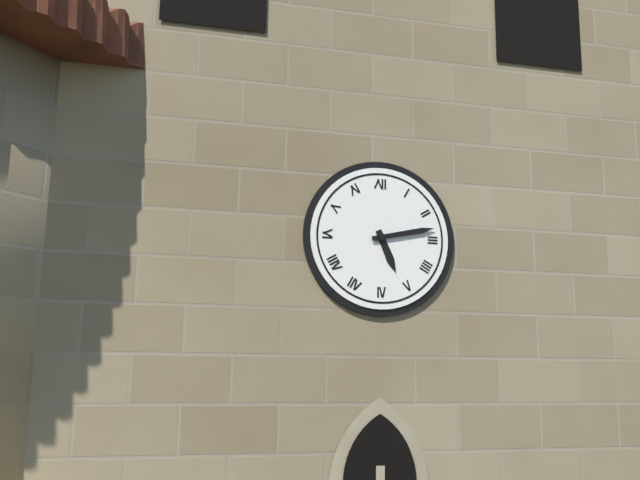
5:13
